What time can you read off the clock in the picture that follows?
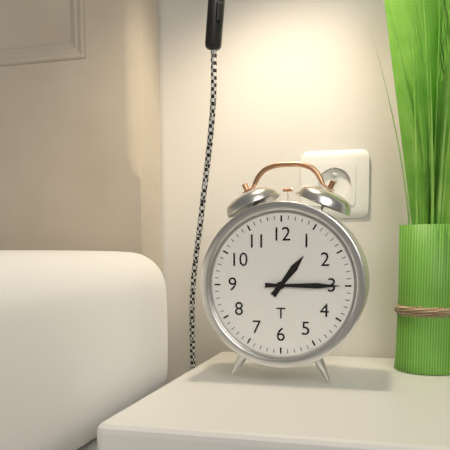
1:15
